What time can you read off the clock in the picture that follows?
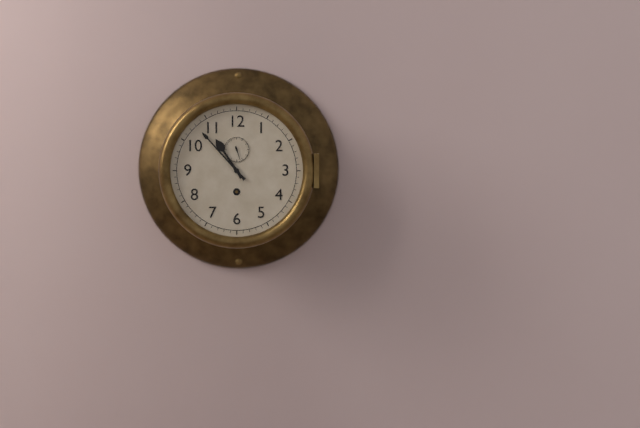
10:53
